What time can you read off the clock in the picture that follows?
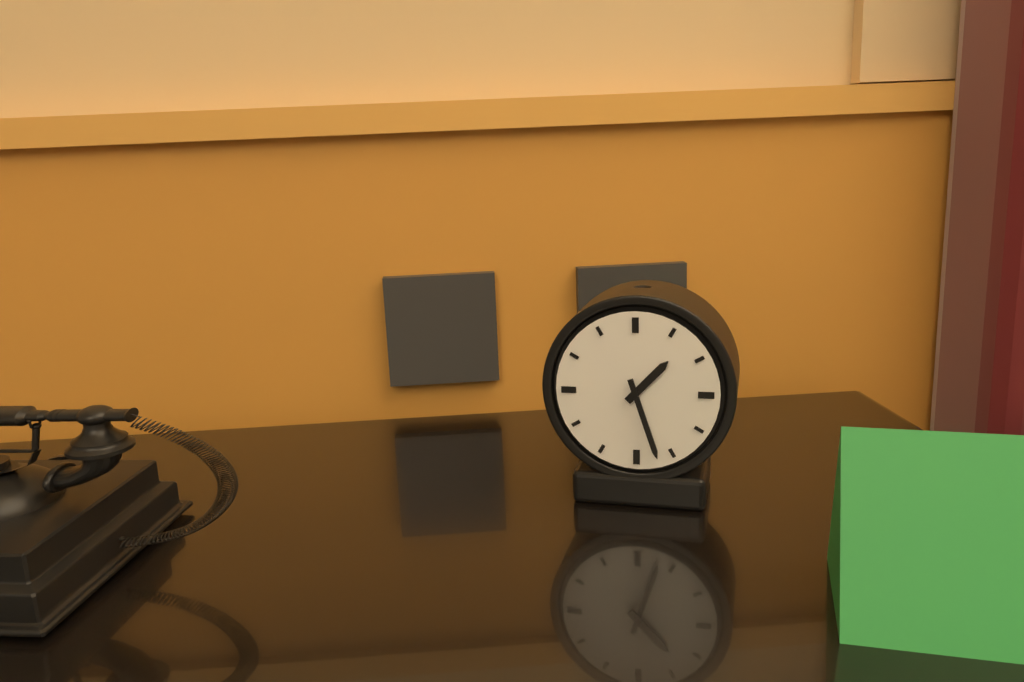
1:27
